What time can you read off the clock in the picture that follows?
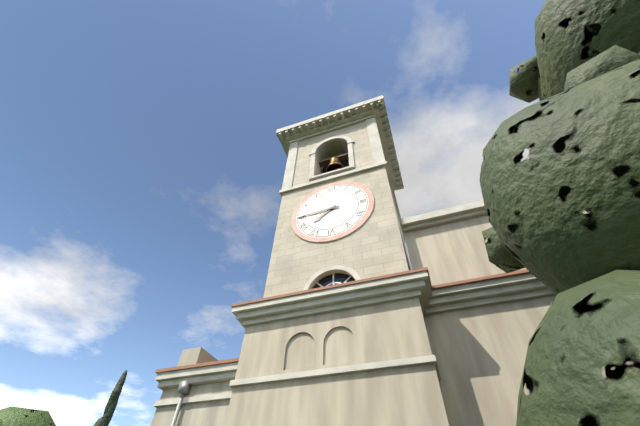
7:45
